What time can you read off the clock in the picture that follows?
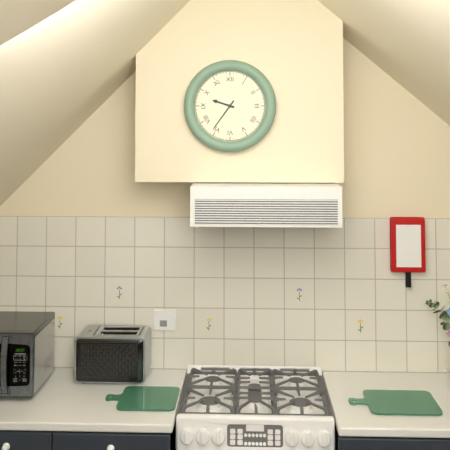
9:36
